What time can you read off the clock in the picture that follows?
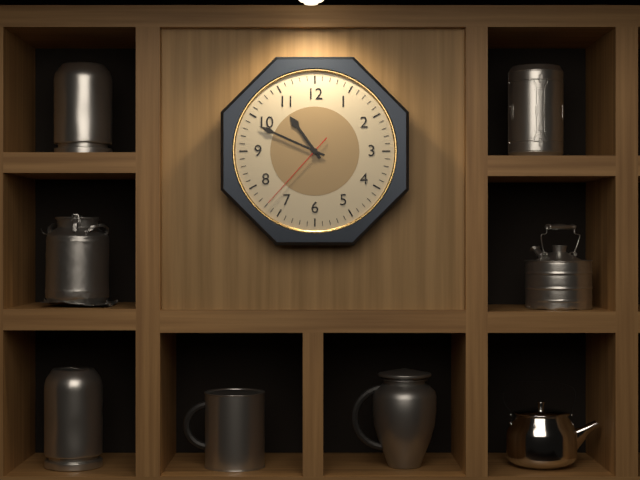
10:49:37
